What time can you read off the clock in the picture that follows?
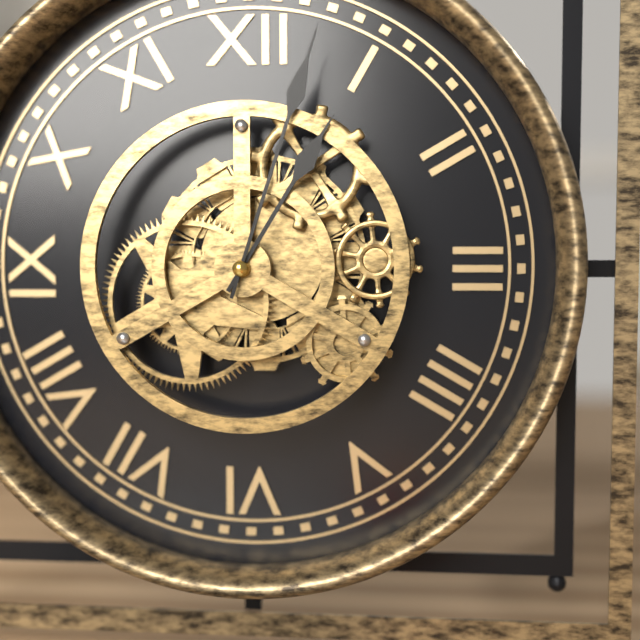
1:03
